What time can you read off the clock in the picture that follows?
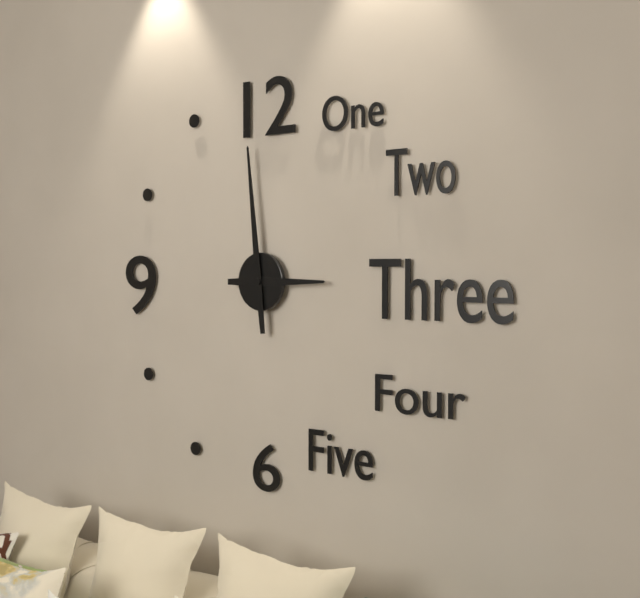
2:59
